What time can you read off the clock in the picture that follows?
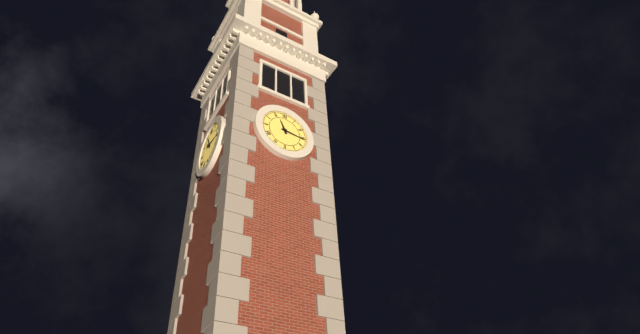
11:16
